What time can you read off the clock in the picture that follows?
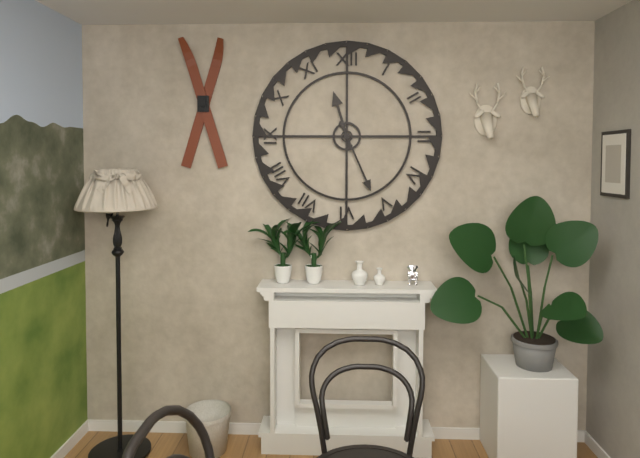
11:26
